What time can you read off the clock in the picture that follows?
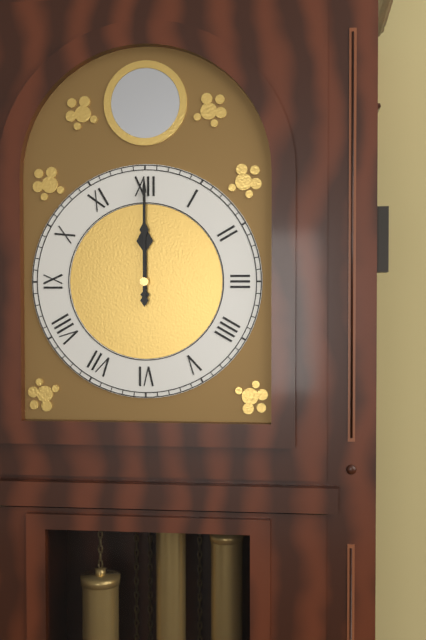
12:00
